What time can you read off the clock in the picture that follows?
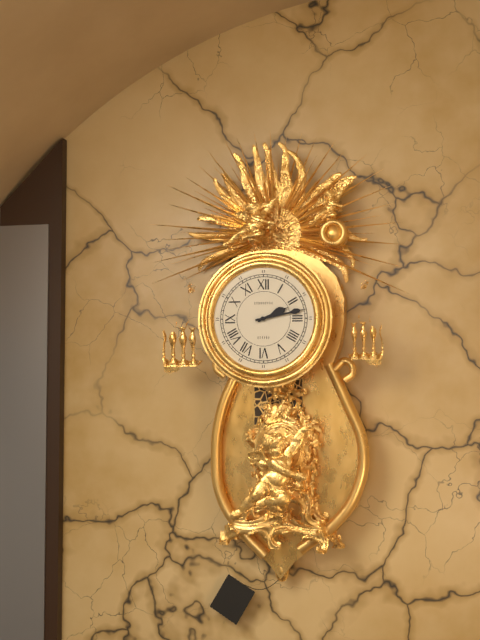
2:13
